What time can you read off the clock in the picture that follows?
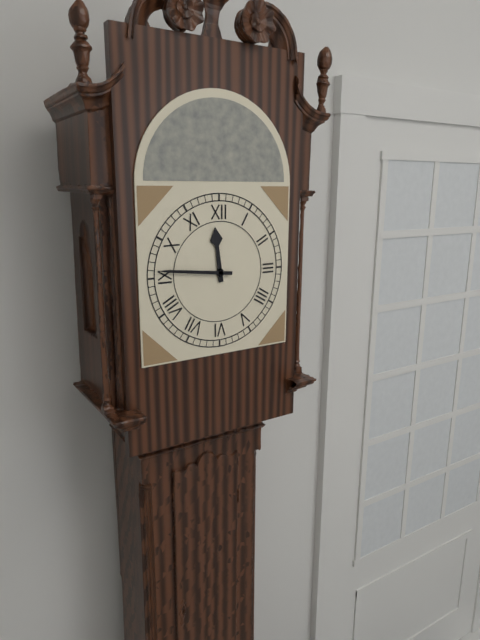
11:46
